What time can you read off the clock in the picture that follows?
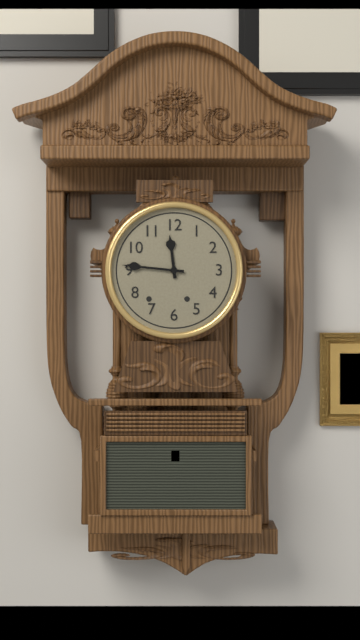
11:46
